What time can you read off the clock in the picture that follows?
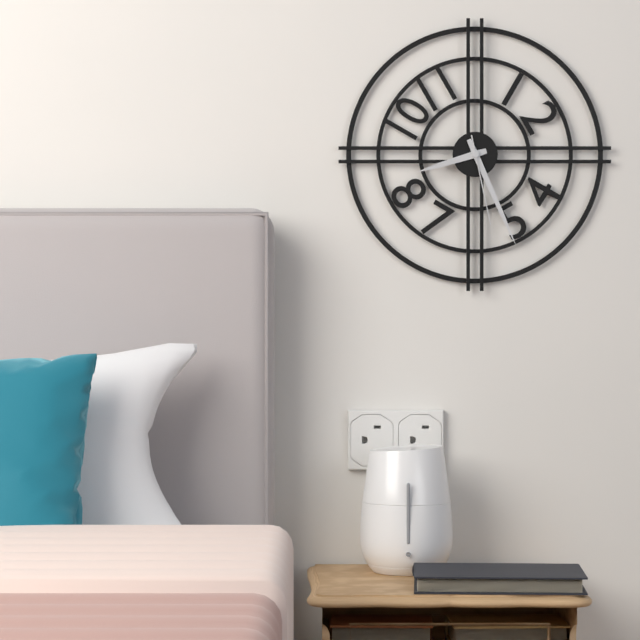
8:26:28
